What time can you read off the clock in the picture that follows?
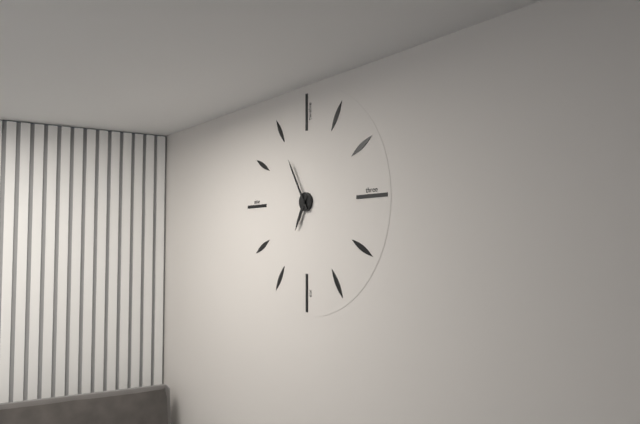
6:55
